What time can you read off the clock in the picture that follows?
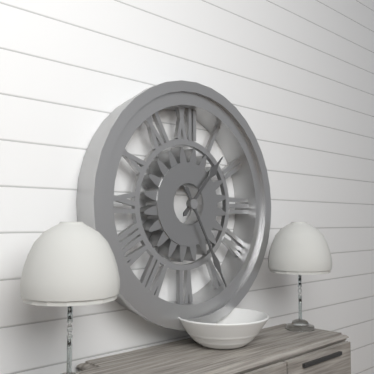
1:25
